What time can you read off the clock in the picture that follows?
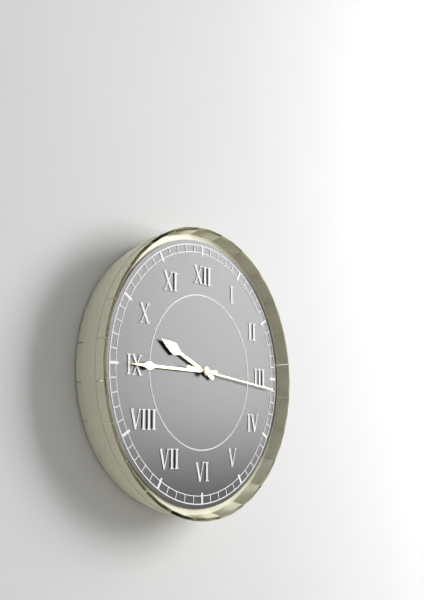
9:45:16
